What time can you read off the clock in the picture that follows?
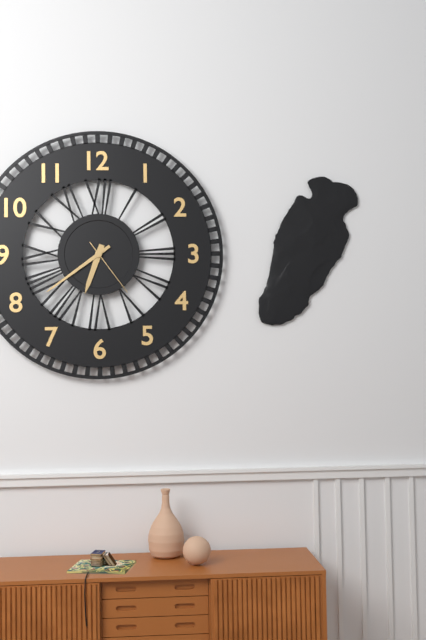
6:39:24
